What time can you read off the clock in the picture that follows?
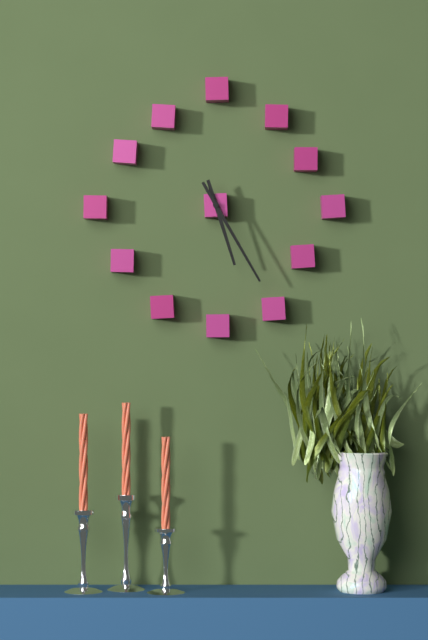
5:25
